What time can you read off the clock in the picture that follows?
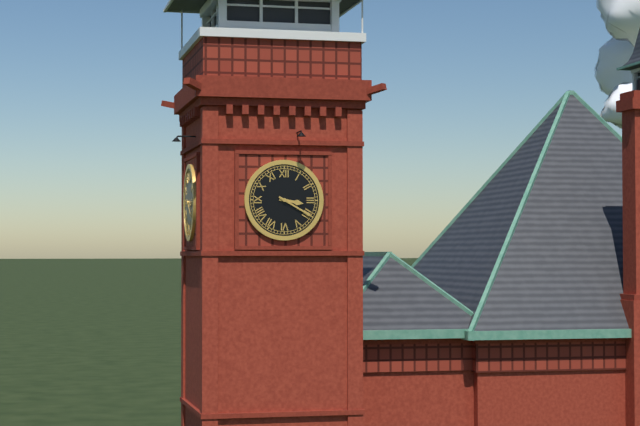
3:20
